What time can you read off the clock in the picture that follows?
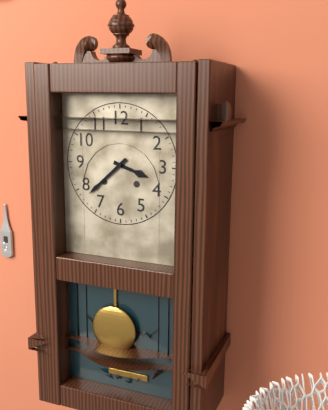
3:38
